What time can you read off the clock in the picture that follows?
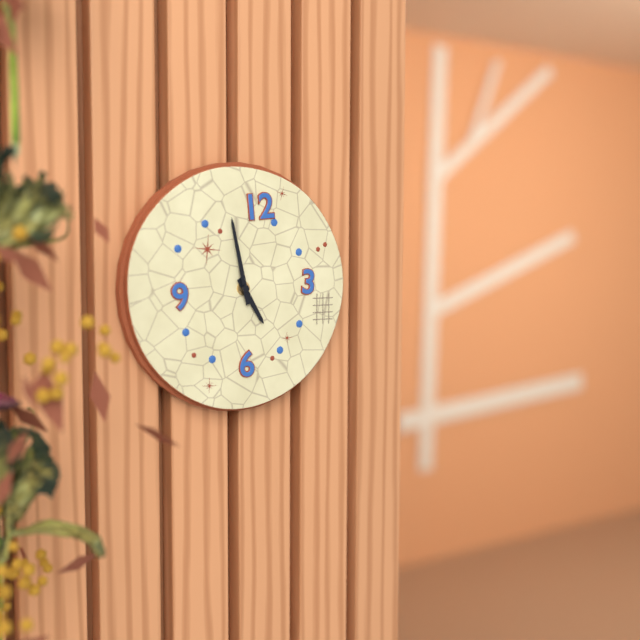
4:58
